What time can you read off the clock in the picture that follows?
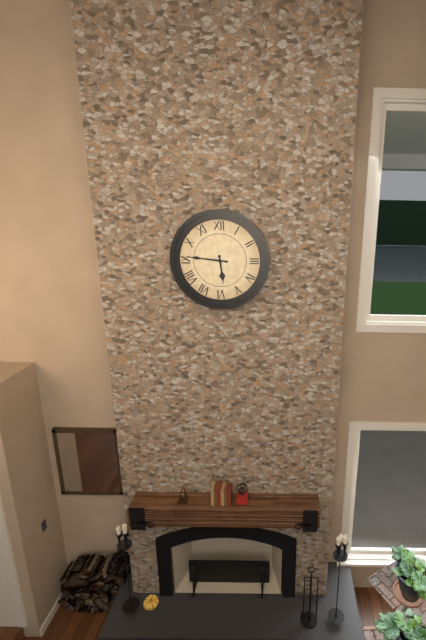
5:46
